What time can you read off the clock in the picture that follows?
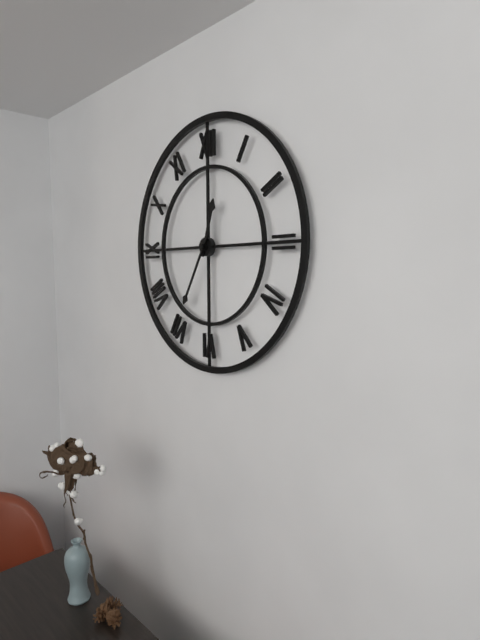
12:35
